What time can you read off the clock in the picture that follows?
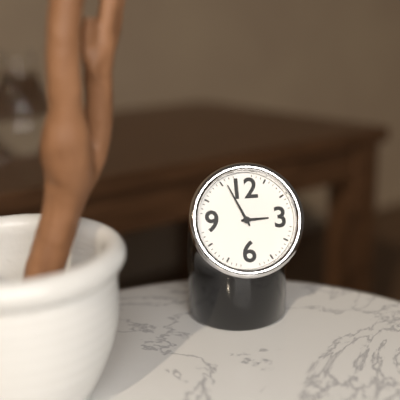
2:56
